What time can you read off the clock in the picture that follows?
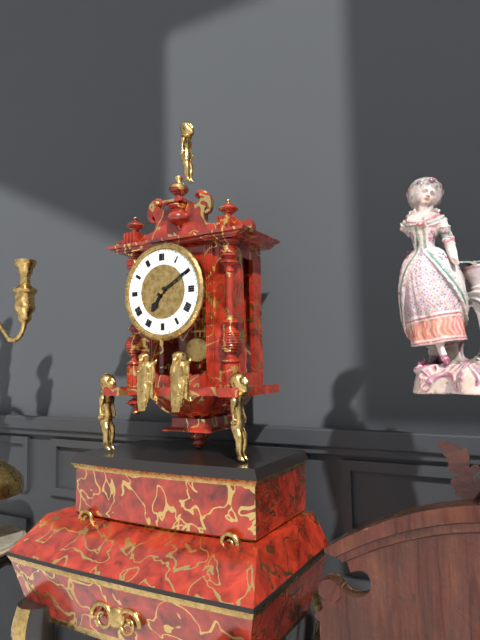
7:10
